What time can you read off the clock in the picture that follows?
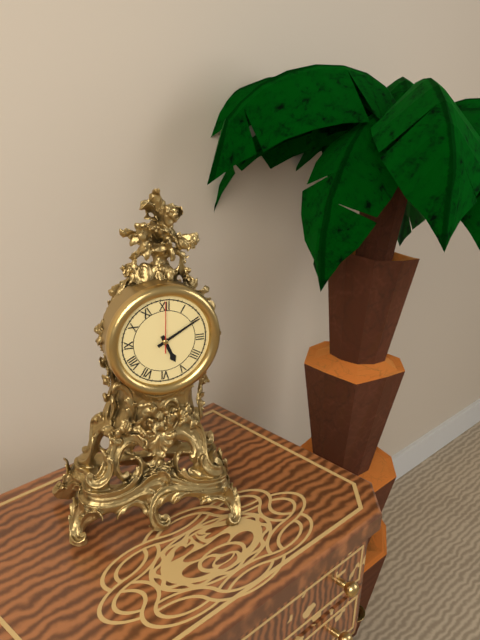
5:10:00
